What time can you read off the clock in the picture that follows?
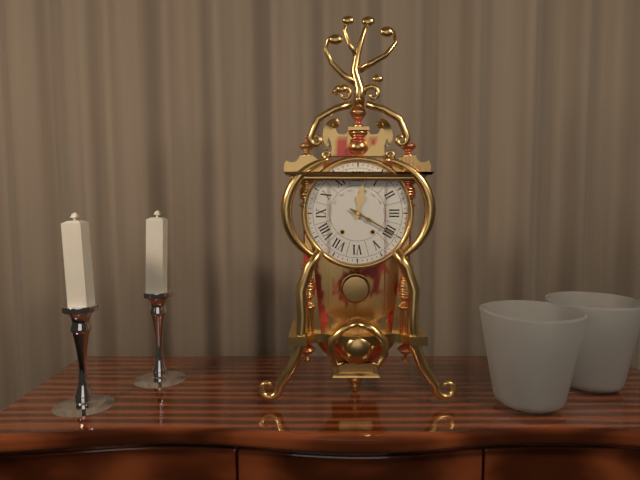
12:20
